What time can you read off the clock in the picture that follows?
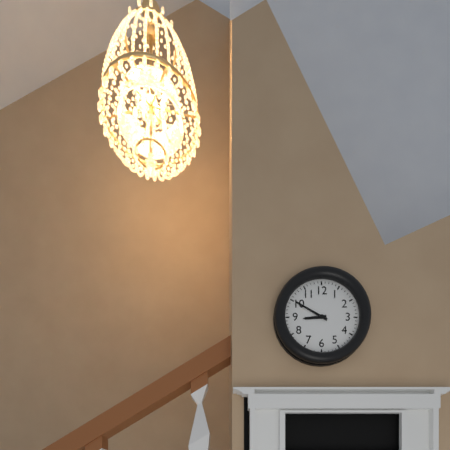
8:50
